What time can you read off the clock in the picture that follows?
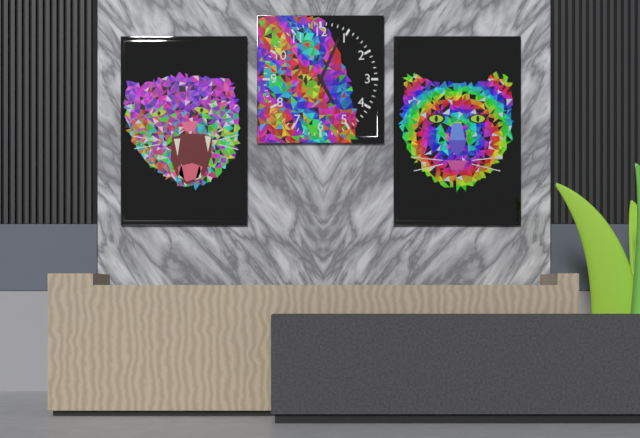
5:04
